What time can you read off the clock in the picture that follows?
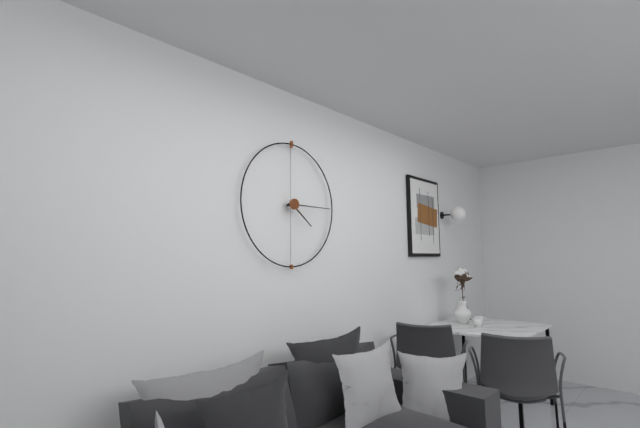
4:15
